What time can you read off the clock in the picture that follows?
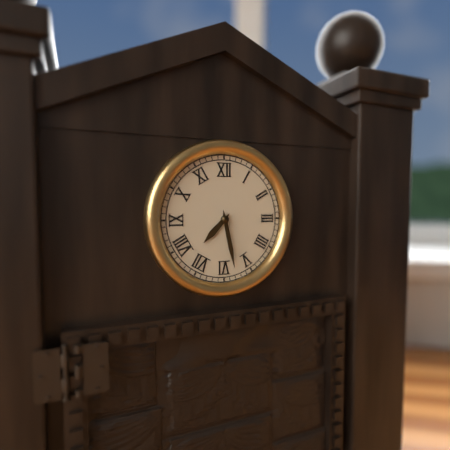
7:28
